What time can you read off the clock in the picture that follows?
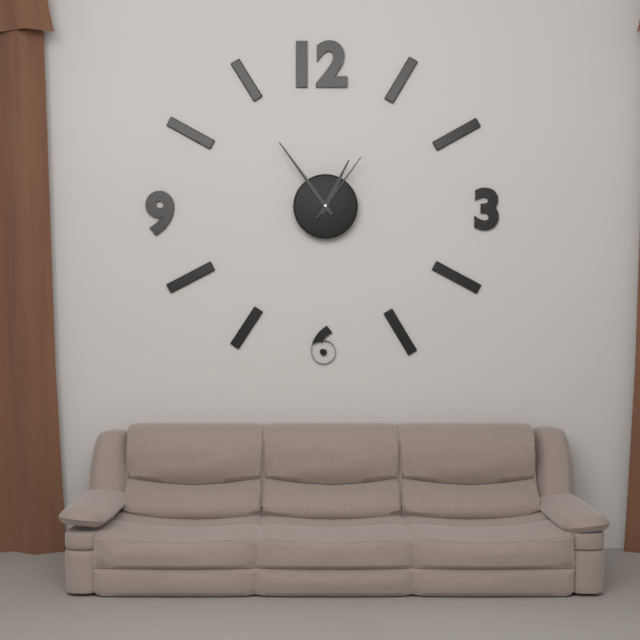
12:54:06
